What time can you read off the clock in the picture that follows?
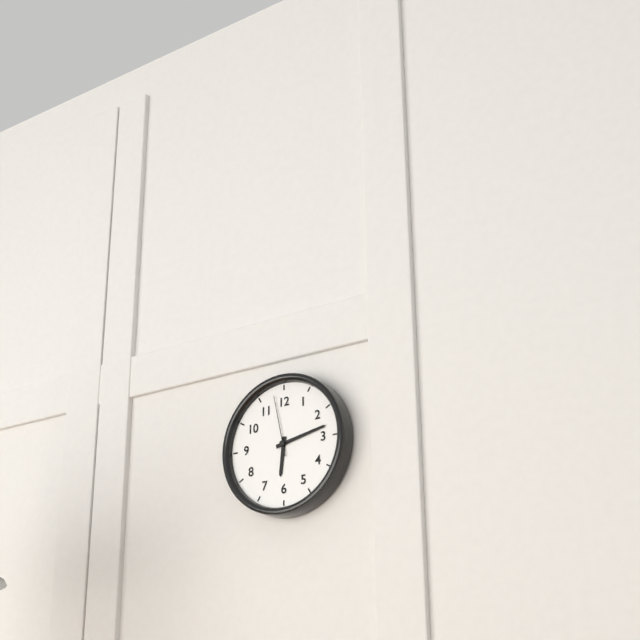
6:13:58
